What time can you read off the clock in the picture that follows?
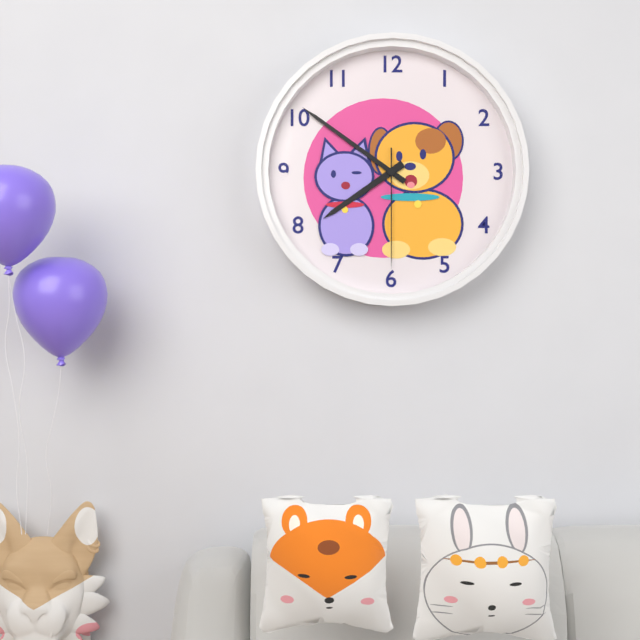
7:51:30
